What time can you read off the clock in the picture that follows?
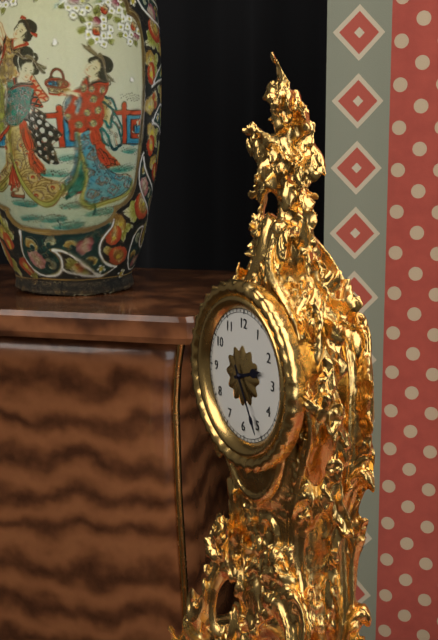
2:25
